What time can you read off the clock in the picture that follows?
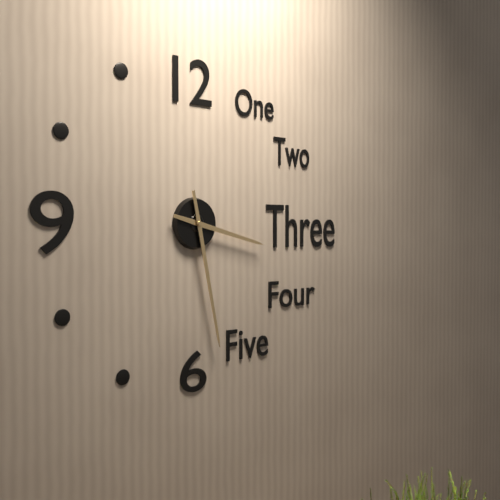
3:28
